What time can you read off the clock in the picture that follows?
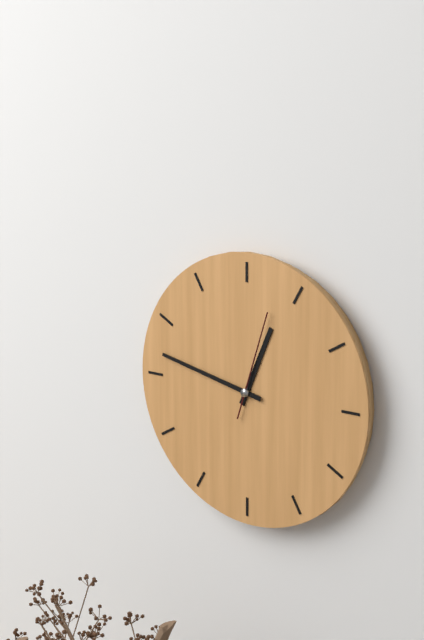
12:47:03
